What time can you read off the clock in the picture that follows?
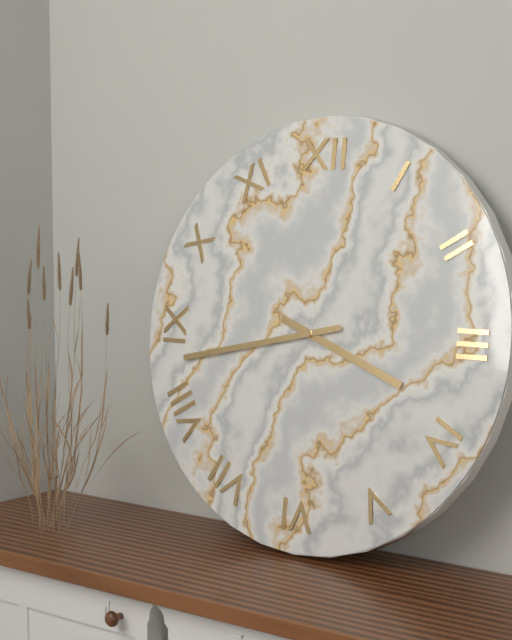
3:43
